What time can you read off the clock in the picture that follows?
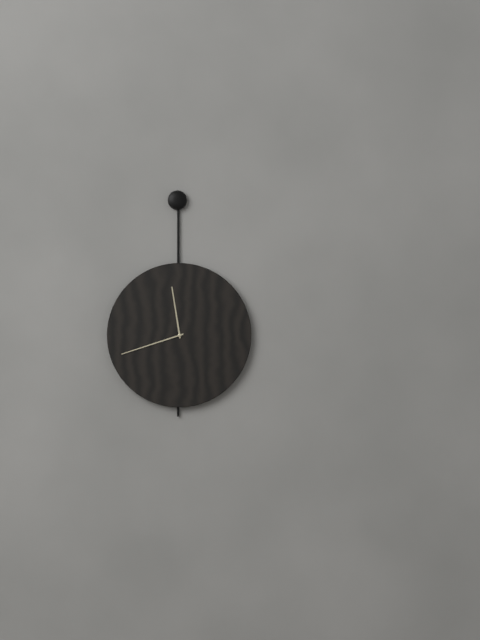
11:42
